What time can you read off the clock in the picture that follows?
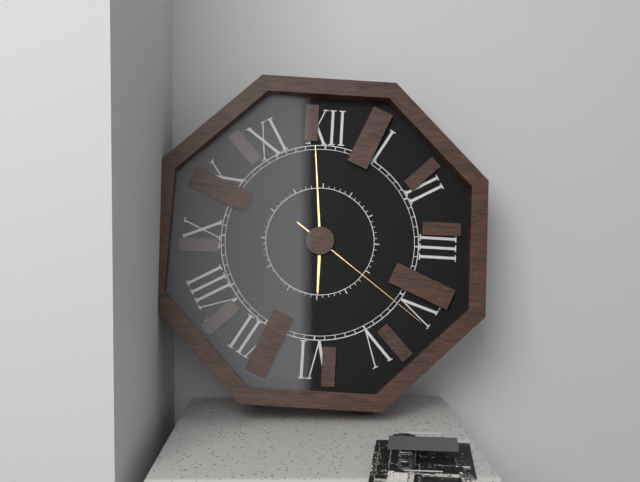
5:59:21
